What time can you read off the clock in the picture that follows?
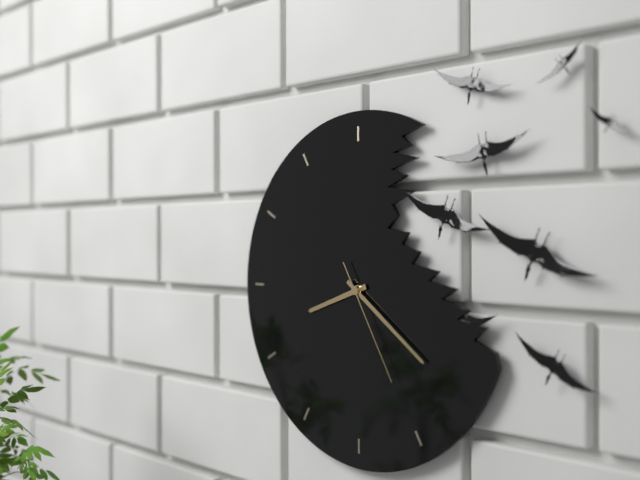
8:21:25
